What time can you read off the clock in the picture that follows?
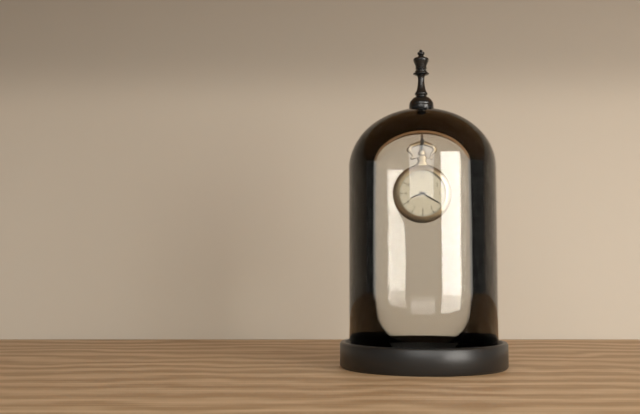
8:20
